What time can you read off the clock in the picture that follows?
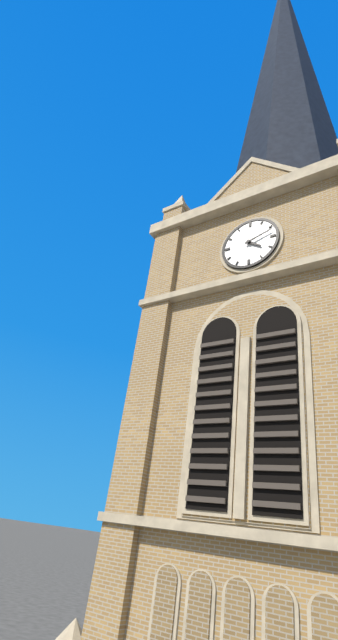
4:12
